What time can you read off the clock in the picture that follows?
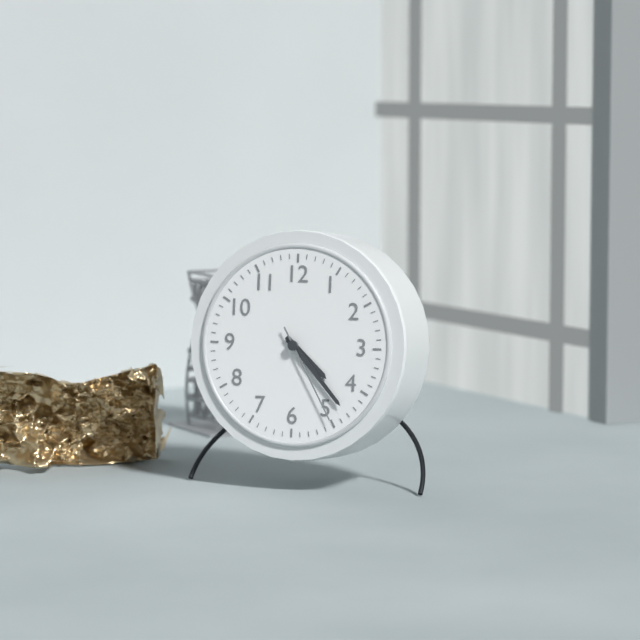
4:23:25
